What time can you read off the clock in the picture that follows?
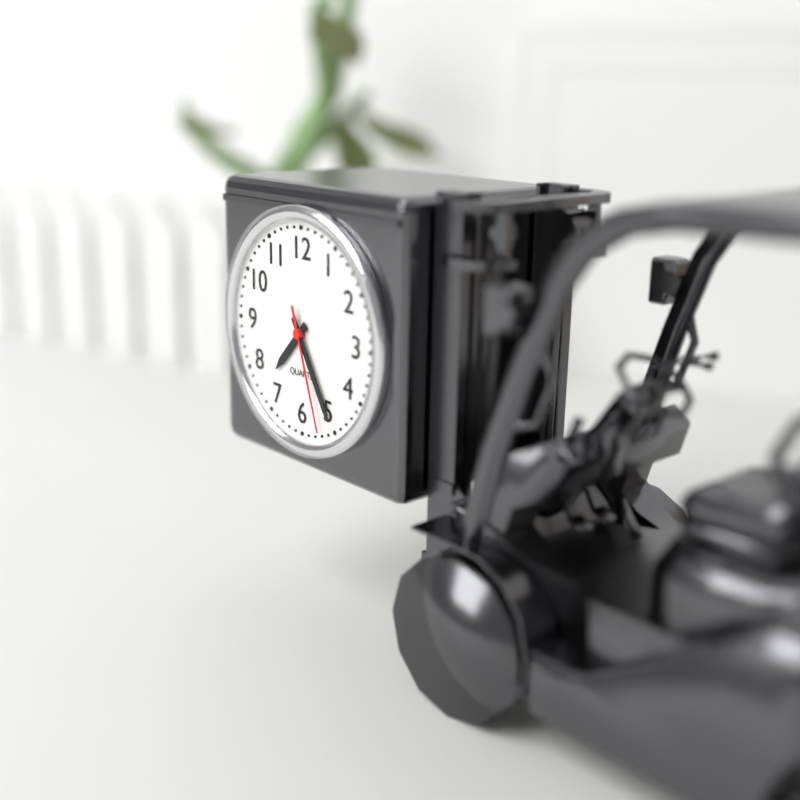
7:25:27
